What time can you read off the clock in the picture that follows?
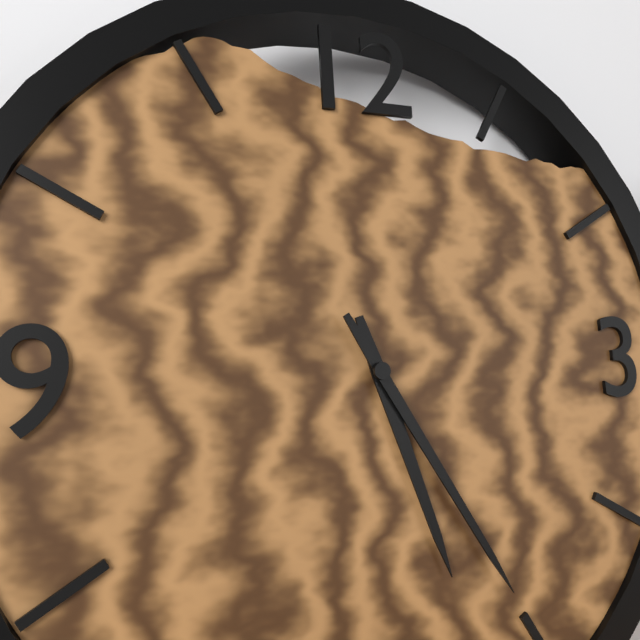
5:25
